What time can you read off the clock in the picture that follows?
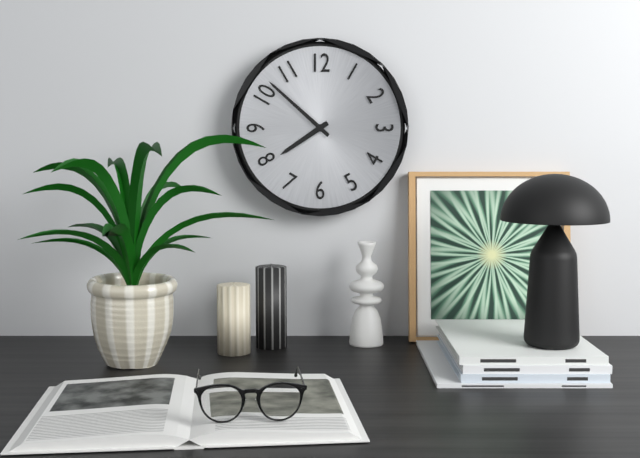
7:52
